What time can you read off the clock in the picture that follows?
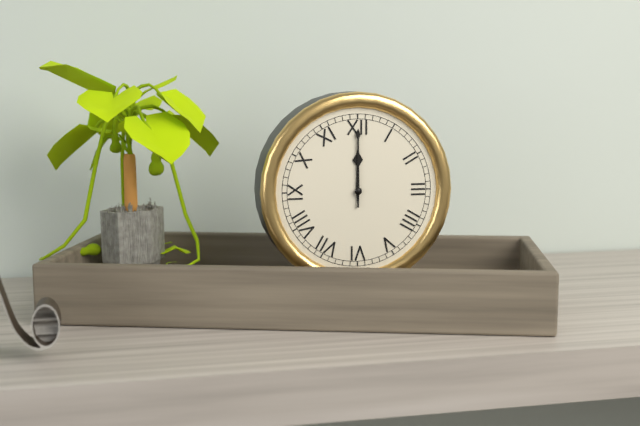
12:00
